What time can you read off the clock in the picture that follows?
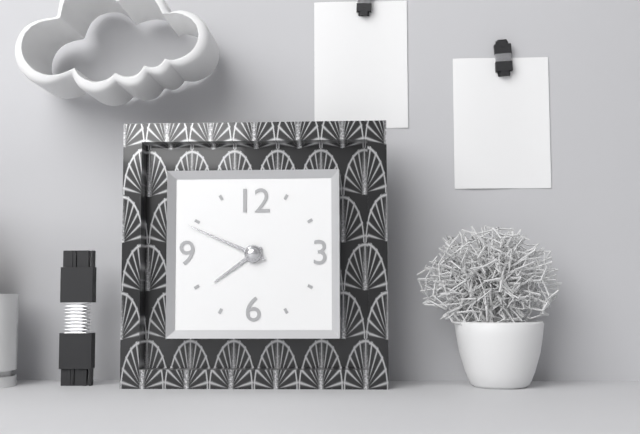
7:49
